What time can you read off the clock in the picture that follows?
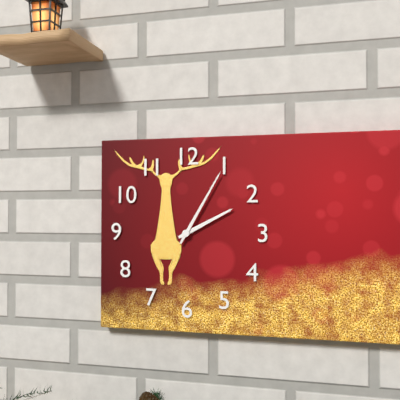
2:05
